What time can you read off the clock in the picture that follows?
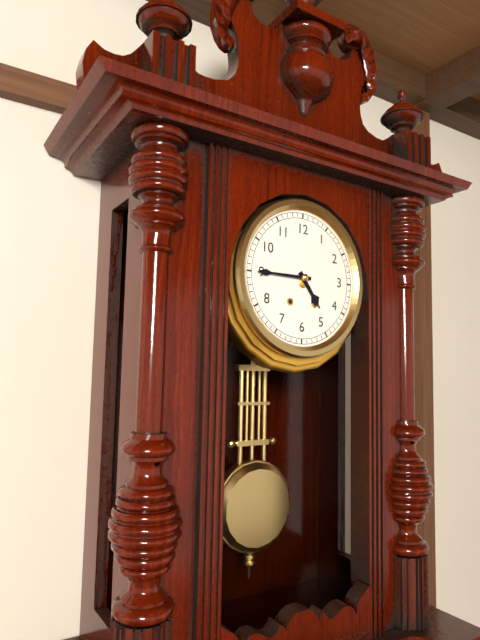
4:45
